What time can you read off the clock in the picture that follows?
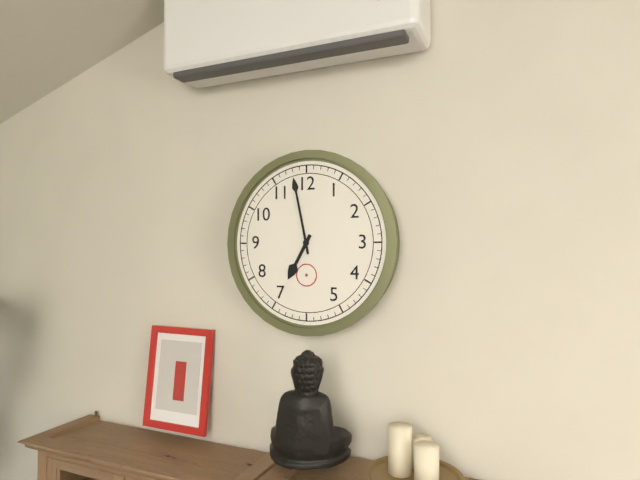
6:58
